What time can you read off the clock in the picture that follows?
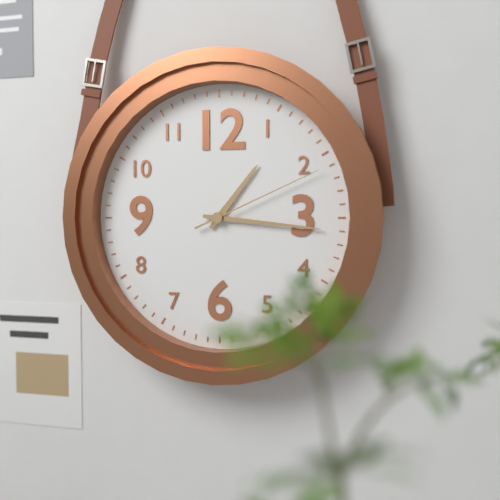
1:16:11
